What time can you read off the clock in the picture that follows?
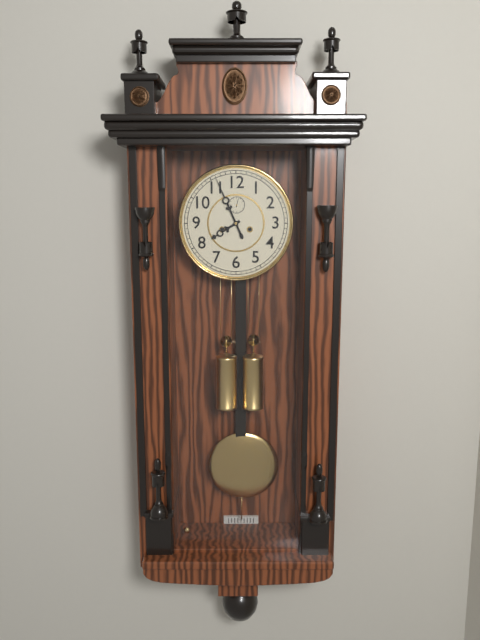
7:56
